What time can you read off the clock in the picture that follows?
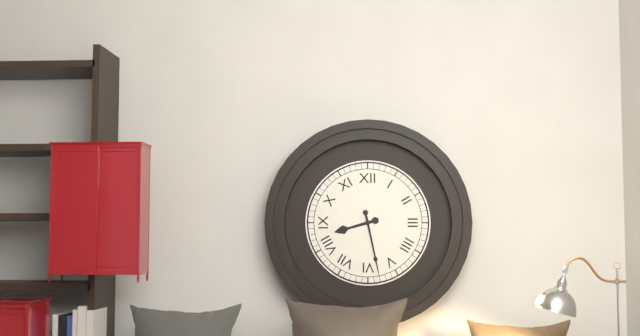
8:28
